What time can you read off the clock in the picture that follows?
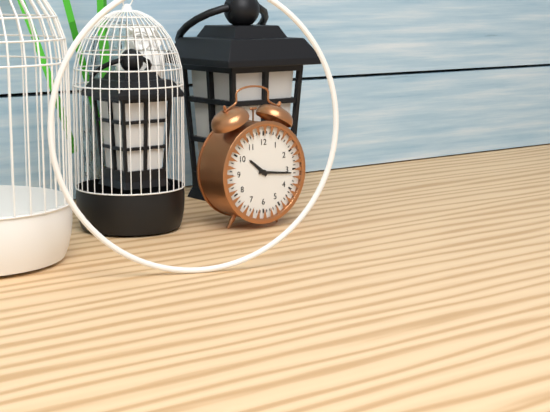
10:16
